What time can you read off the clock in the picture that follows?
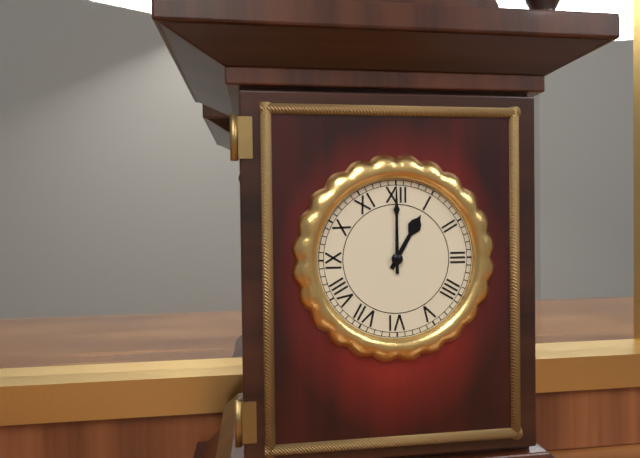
1:00
